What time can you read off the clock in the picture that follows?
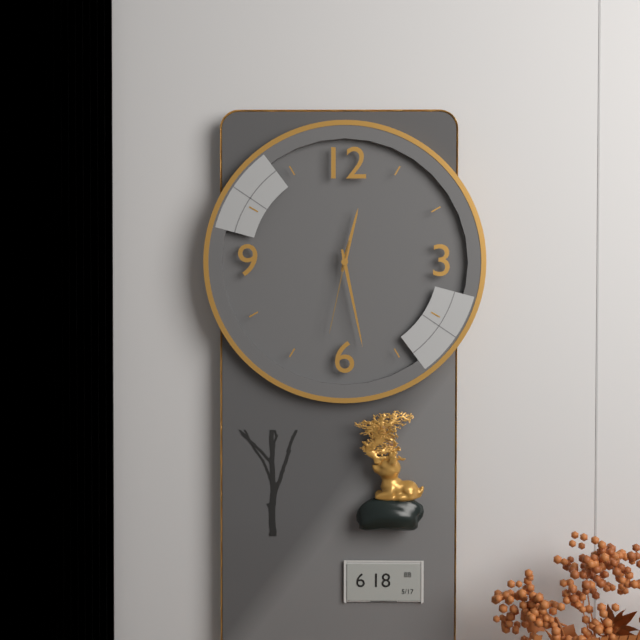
12:28:32
